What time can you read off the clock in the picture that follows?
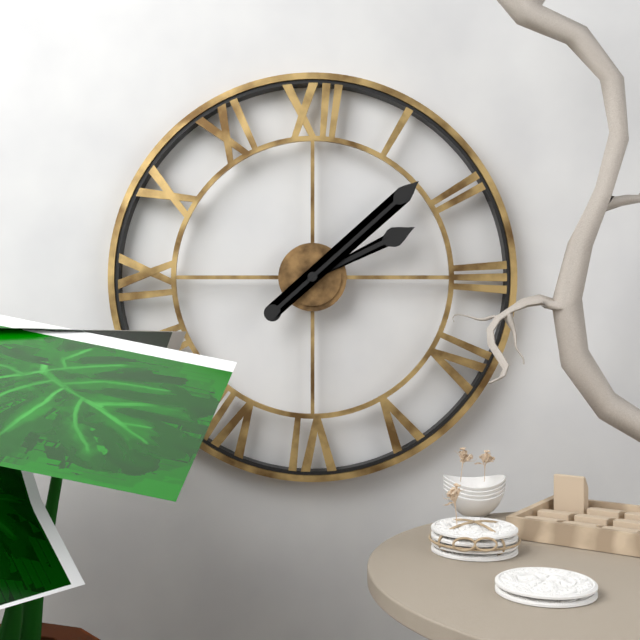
2:08
